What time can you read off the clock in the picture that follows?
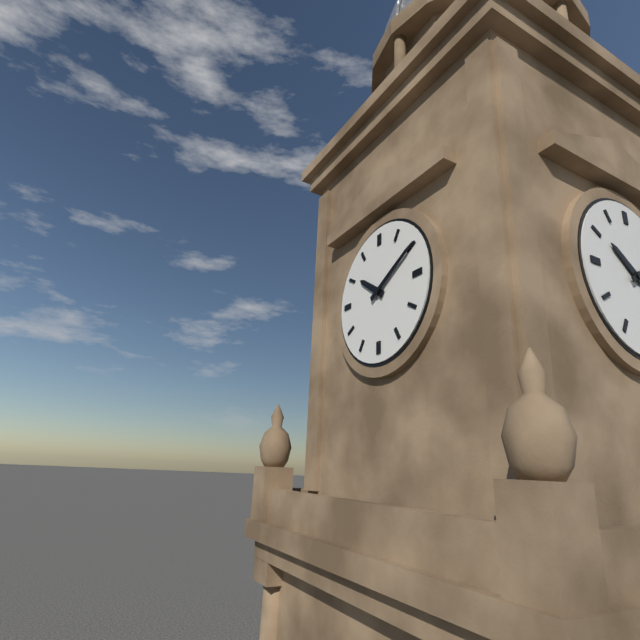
10:10
